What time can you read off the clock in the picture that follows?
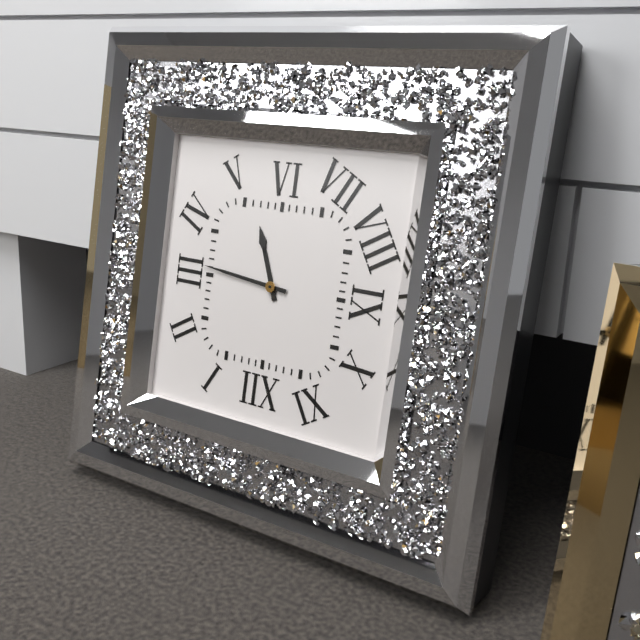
5:16
